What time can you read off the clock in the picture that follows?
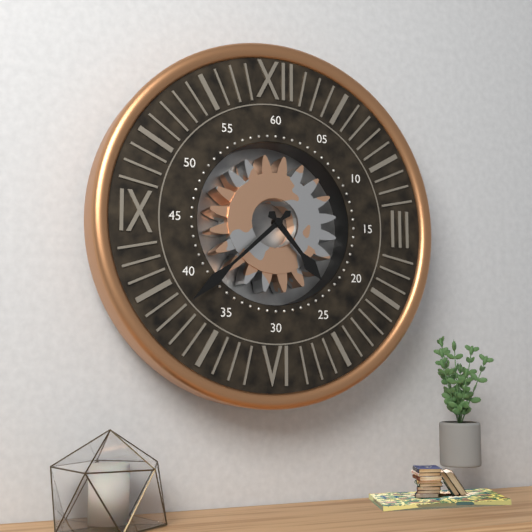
4:38
